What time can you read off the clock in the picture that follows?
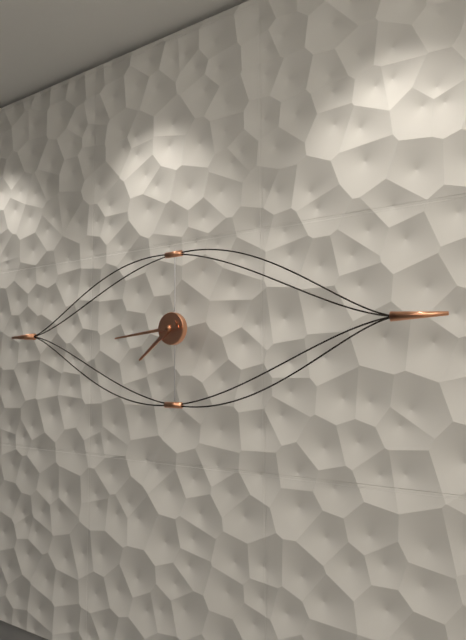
7:44
